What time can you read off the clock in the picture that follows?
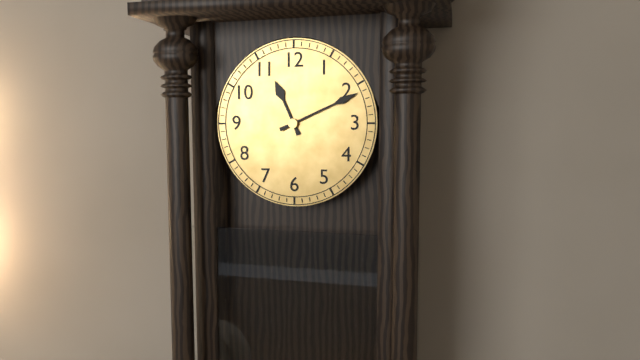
11:11
